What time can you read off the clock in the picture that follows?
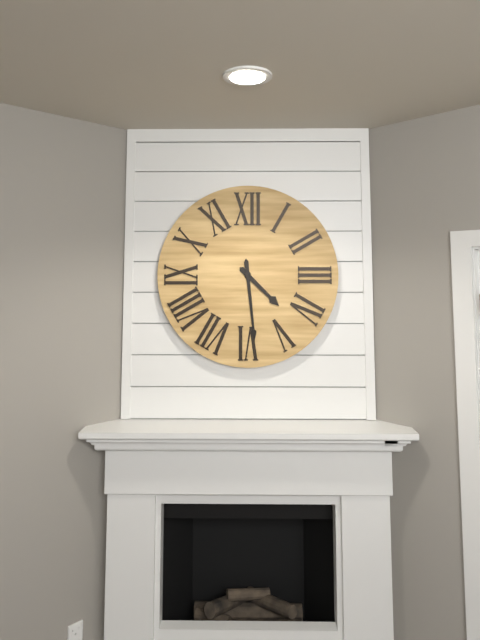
4:29
